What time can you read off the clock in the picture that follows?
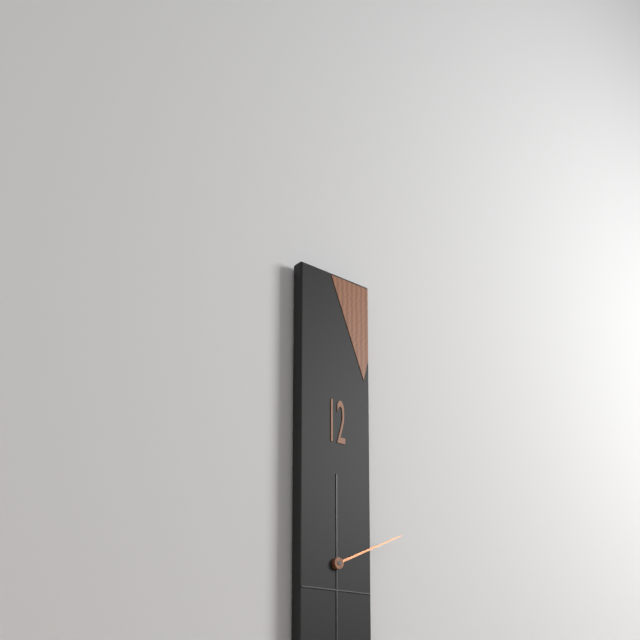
2:11
